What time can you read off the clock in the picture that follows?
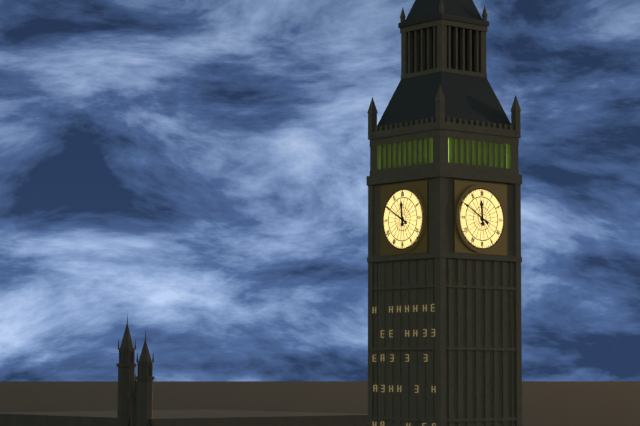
11:50
